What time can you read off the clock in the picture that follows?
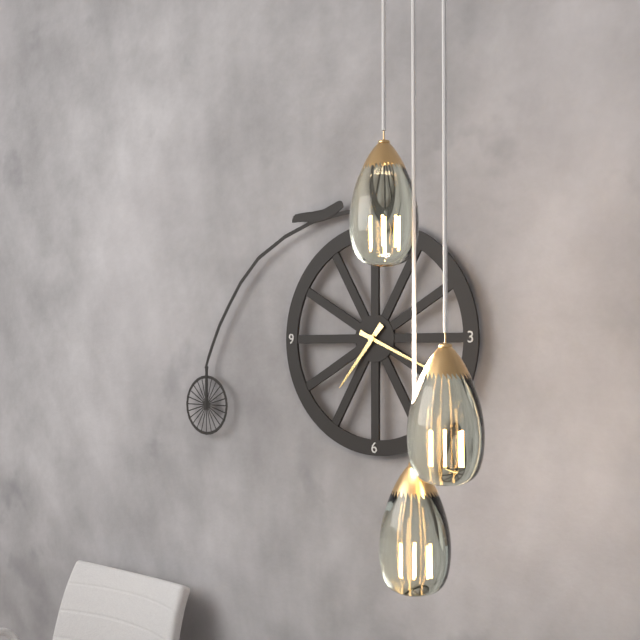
7:19
